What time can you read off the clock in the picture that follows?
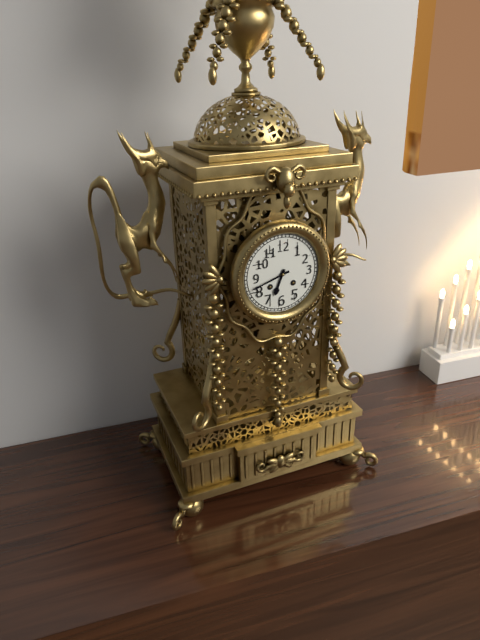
6:42
